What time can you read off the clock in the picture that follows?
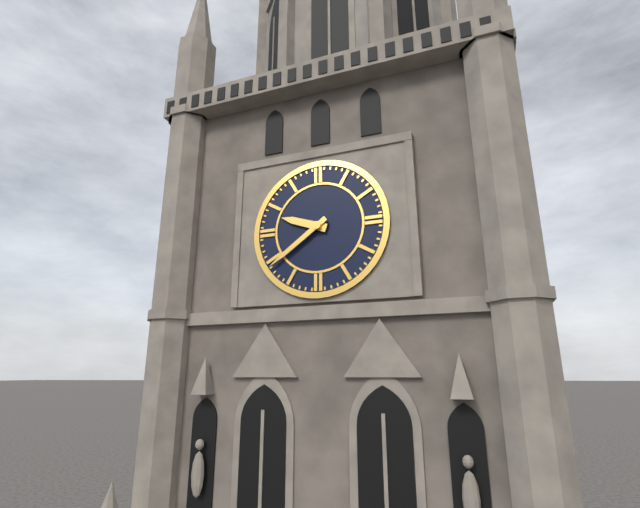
9:39
